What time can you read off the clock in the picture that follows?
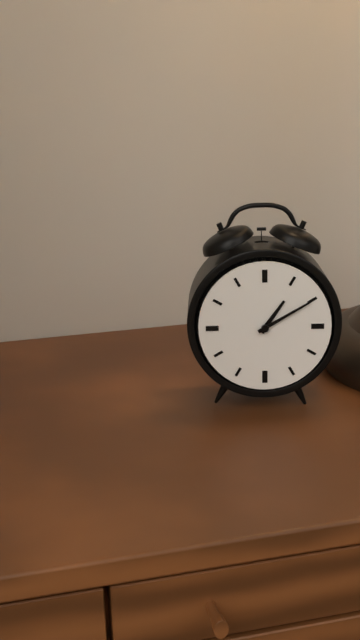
1:10
